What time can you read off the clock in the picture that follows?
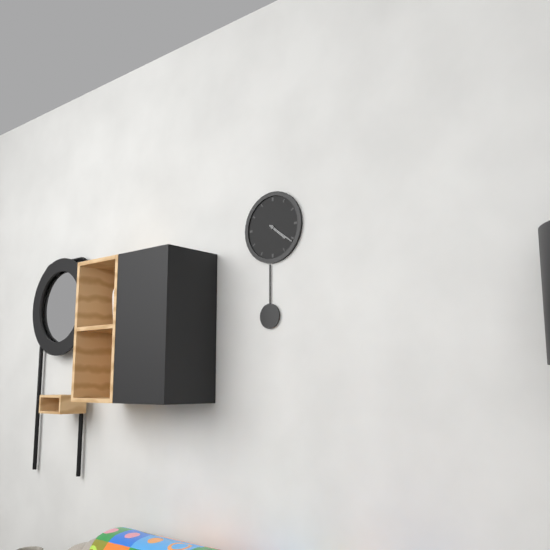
4:21
